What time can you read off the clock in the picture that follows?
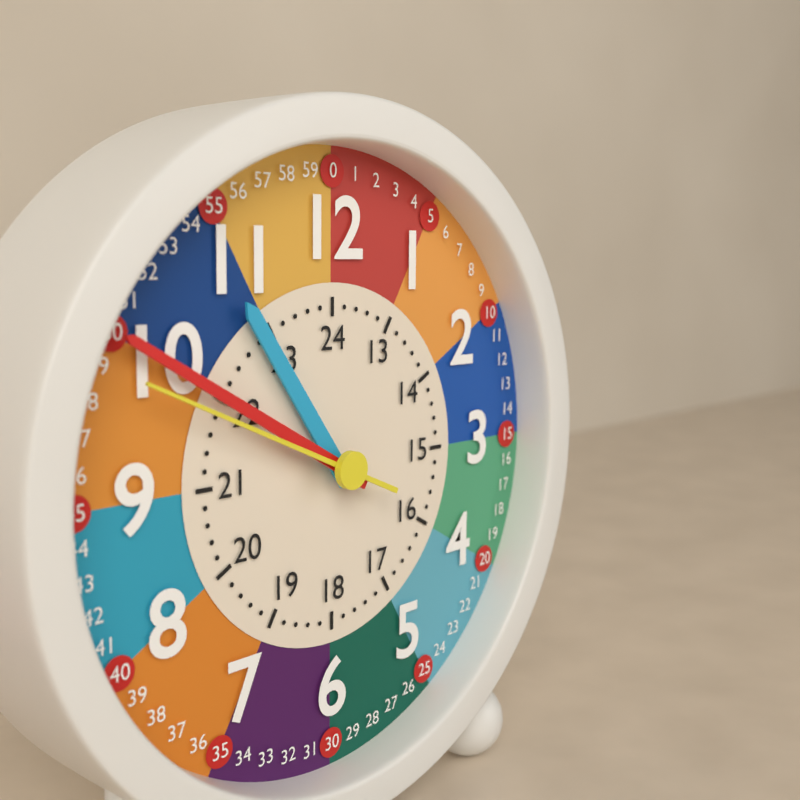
10:50:49
